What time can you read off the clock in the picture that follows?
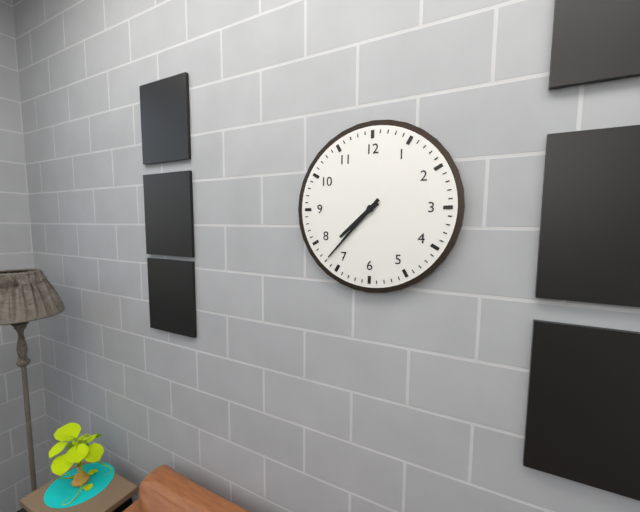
7:37
